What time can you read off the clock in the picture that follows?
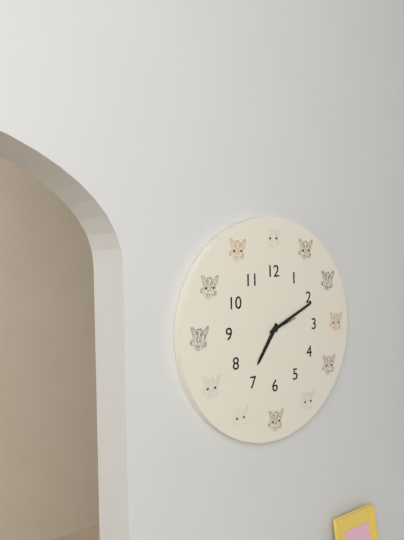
7:11
